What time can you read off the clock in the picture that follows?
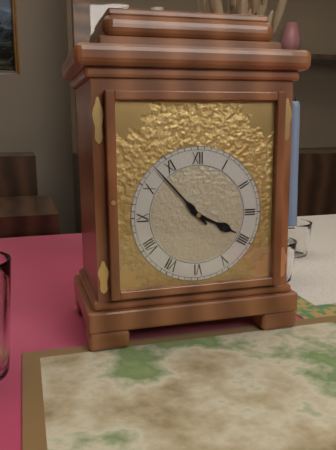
3:53
